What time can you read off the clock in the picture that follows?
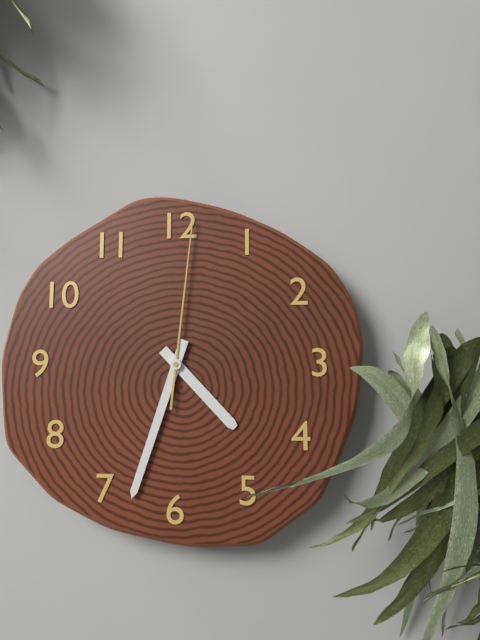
4:33:01
